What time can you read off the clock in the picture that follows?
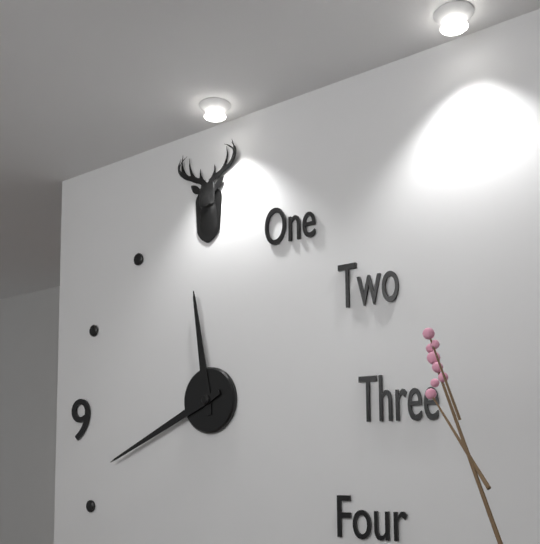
11:41
